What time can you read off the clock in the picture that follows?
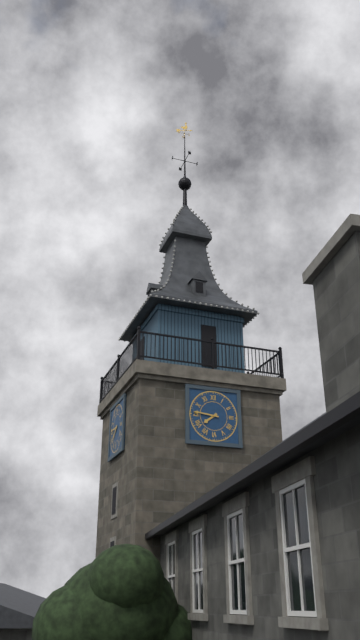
7:46
